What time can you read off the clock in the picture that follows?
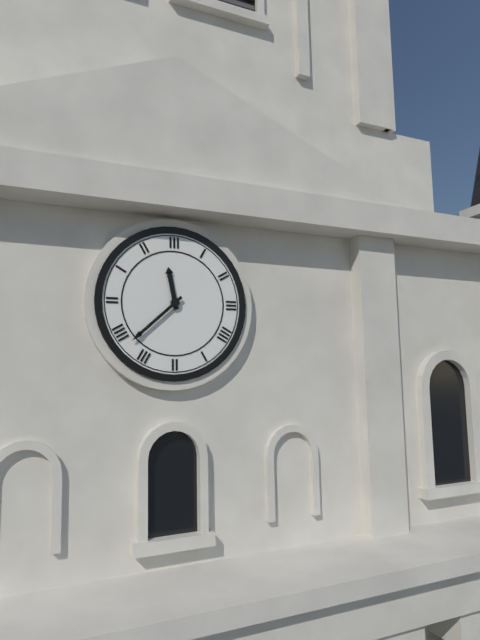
11:38
